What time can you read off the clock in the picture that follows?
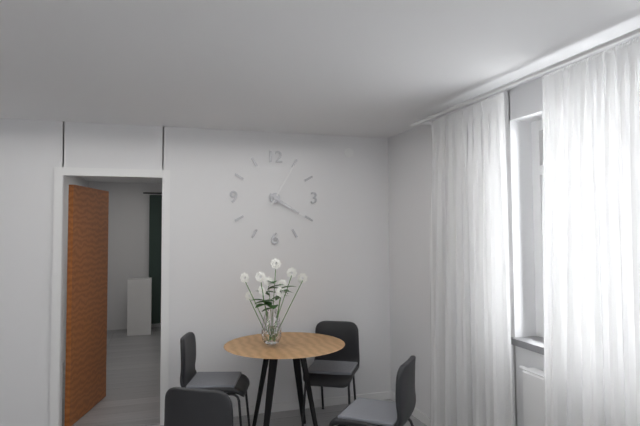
4:05
